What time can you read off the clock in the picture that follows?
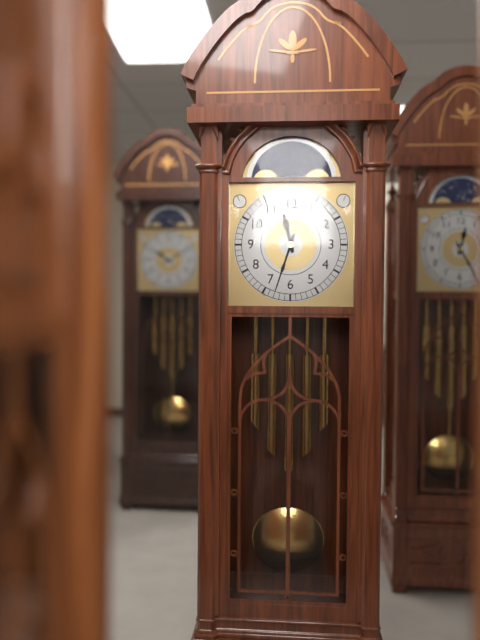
11:33
